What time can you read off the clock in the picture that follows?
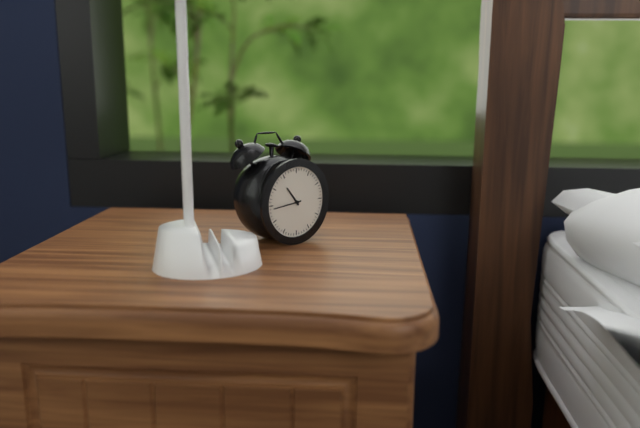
10:44
